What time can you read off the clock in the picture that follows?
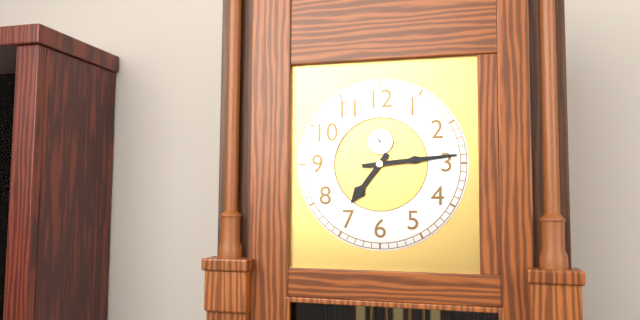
7:14
